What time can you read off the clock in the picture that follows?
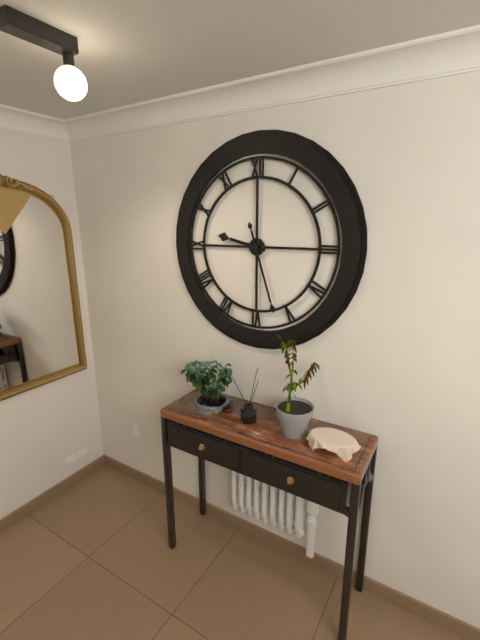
9:27
